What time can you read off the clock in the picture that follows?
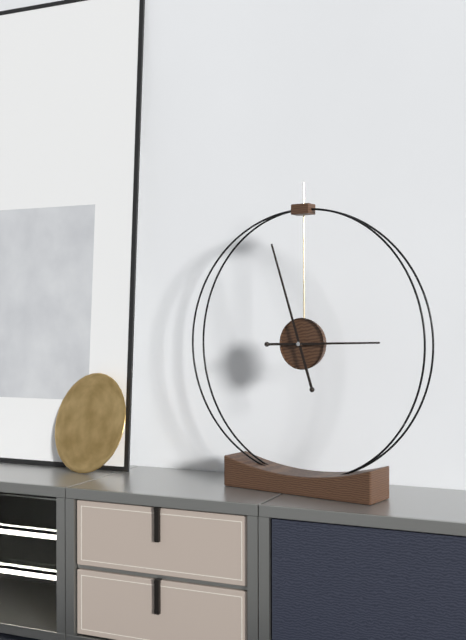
2:57
